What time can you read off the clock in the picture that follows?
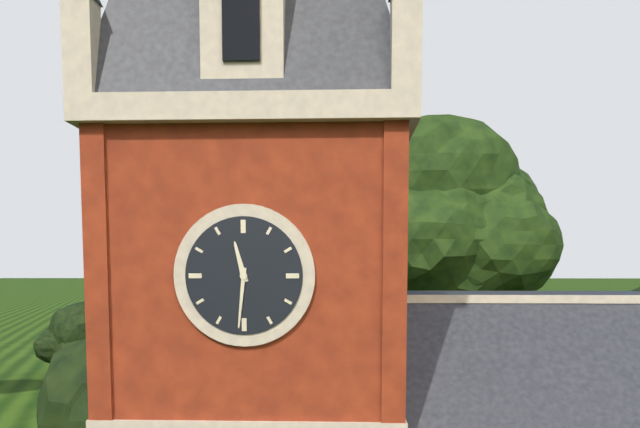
11:31
